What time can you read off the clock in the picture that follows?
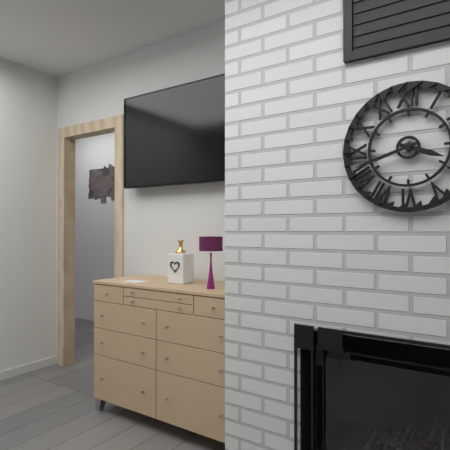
3:42
